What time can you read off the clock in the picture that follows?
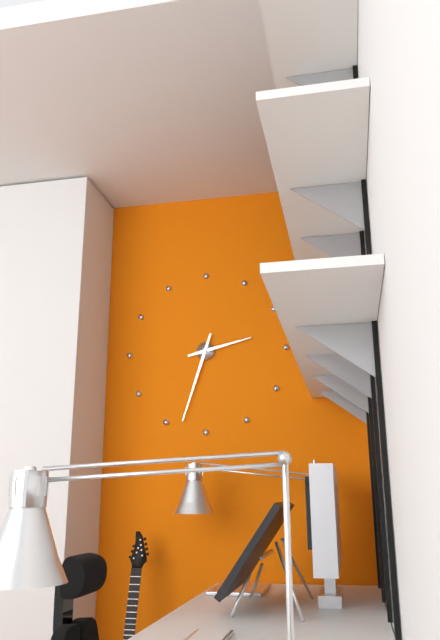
2:33
